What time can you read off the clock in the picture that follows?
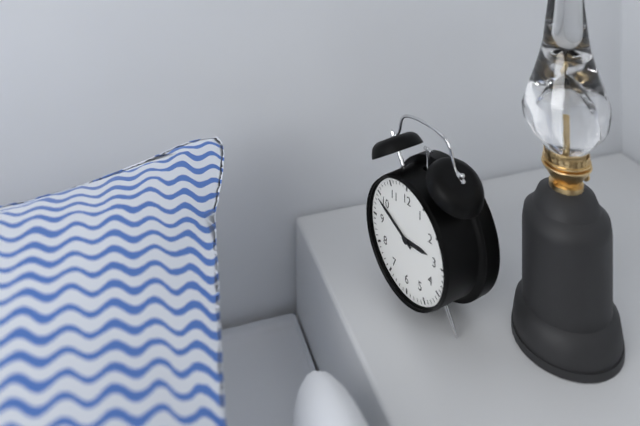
2:49
